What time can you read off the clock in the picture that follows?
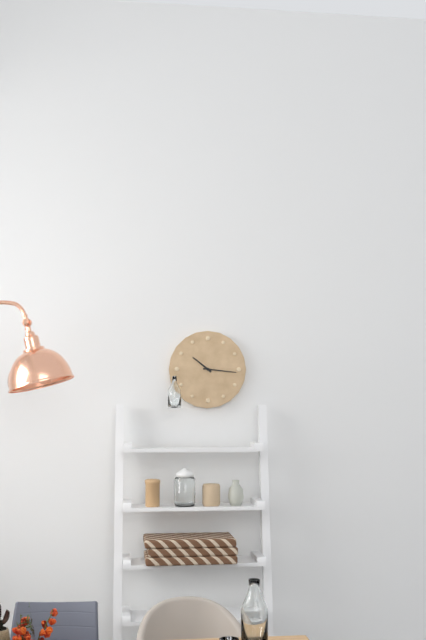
10:16
